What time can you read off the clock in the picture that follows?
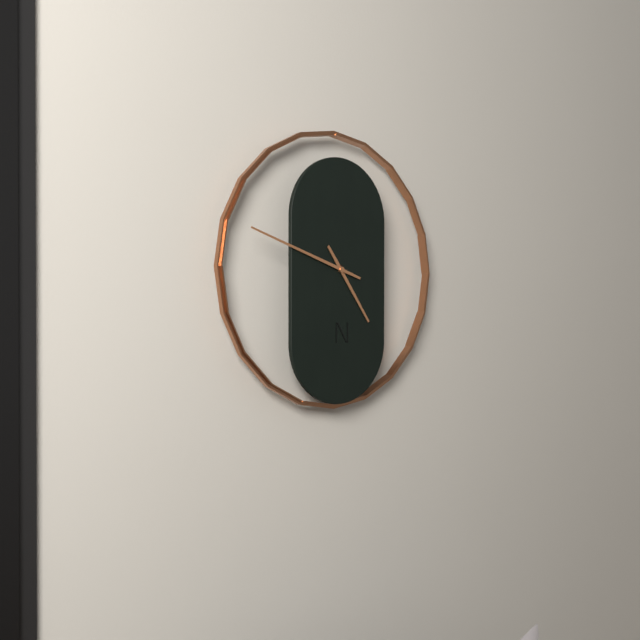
4:48
